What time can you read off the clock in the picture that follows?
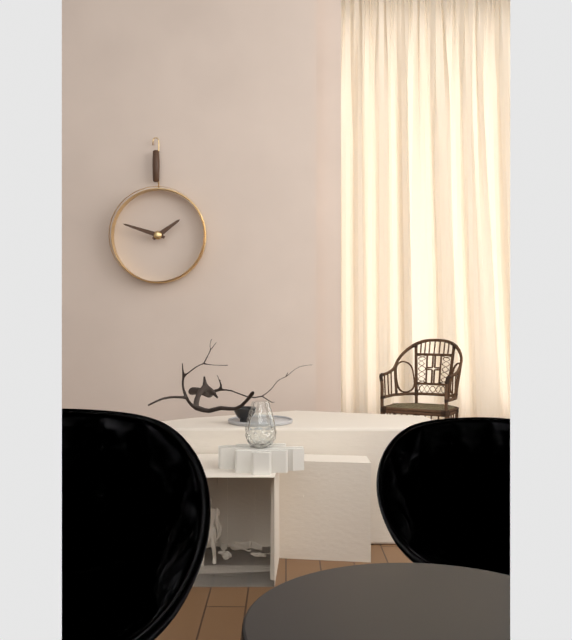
1:48
